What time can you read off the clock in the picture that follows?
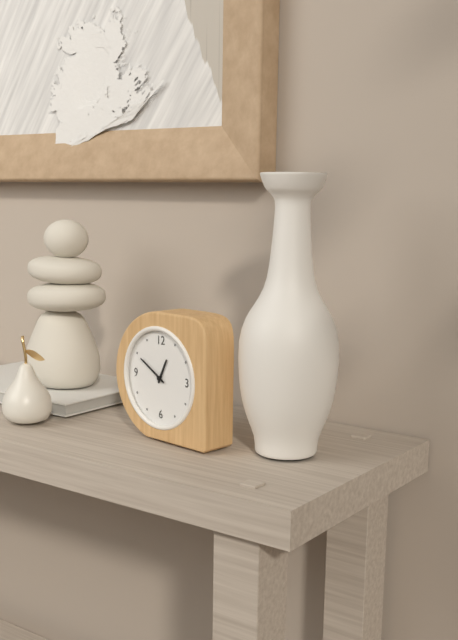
12:50
